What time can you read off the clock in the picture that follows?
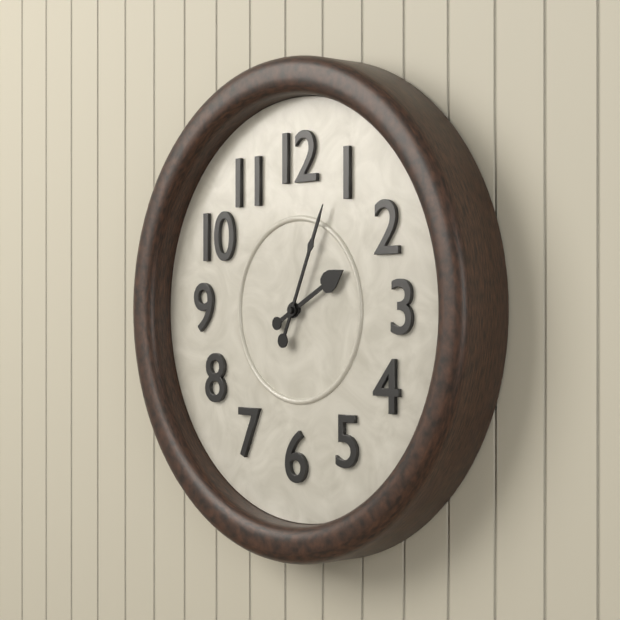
2:04
